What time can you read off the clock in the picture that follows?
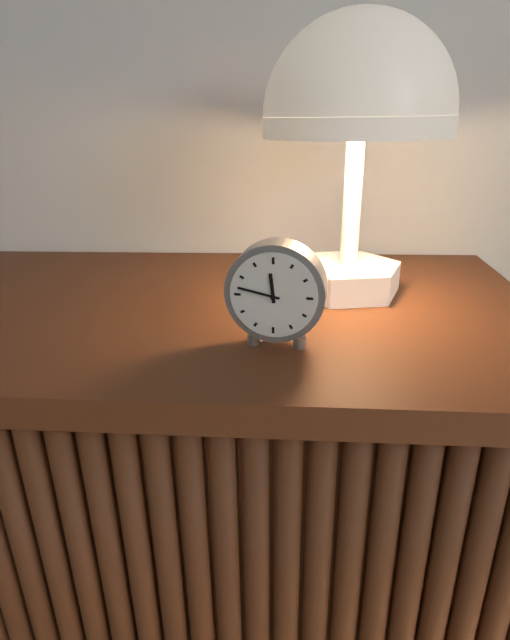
11:47
